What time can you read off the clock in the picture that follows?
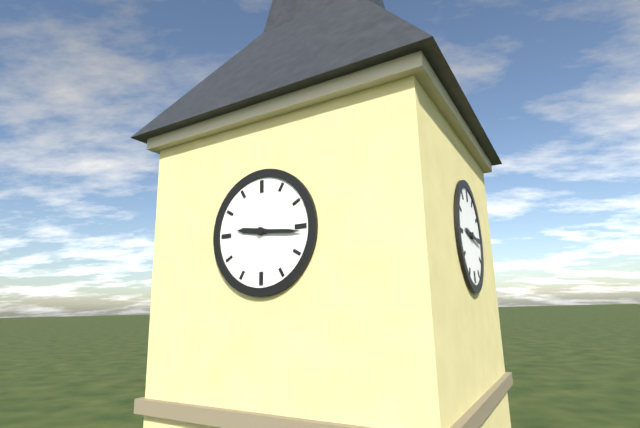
9:16
